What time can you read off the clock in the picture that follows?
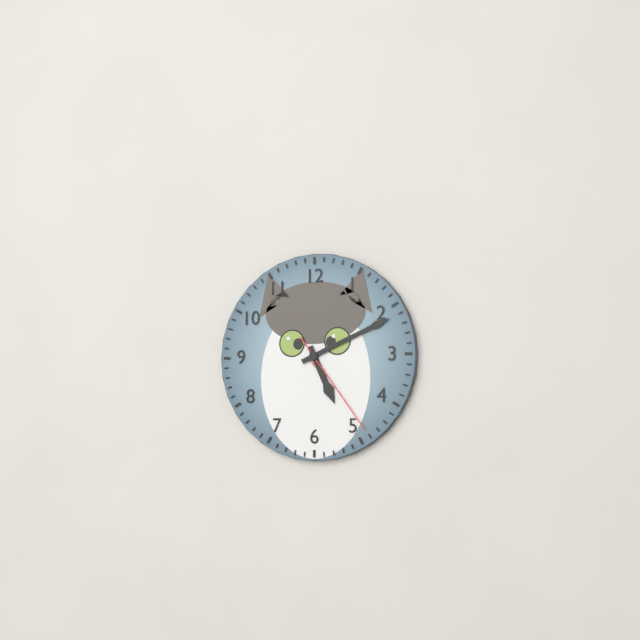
5:11:24
